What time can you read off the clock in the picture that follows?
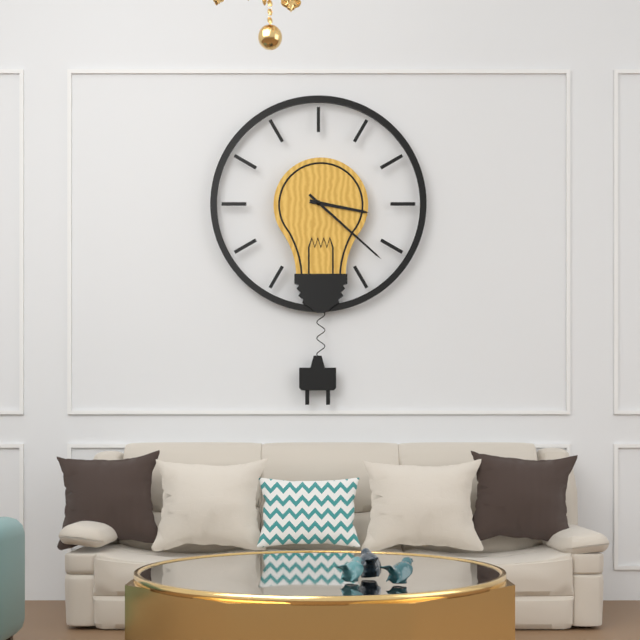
3:22
